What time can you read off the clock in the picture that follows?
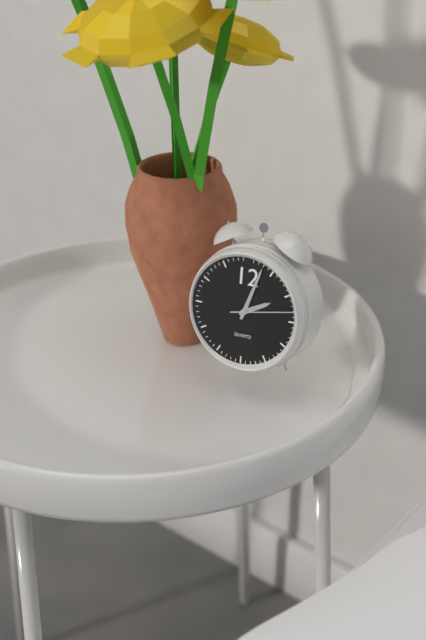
2:03:13
